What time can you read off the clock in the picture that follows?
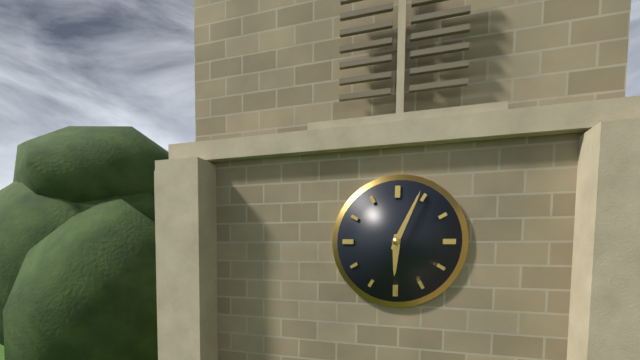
6:04
